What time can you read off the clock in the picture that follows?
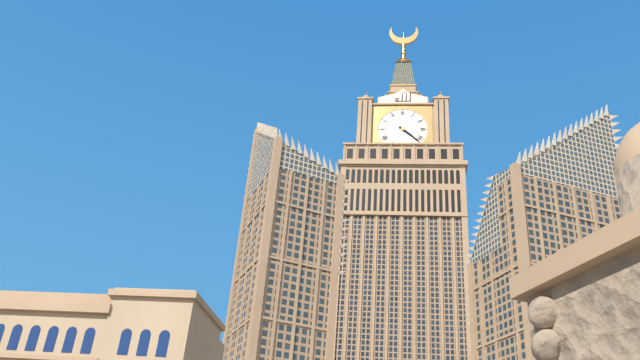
4:22
